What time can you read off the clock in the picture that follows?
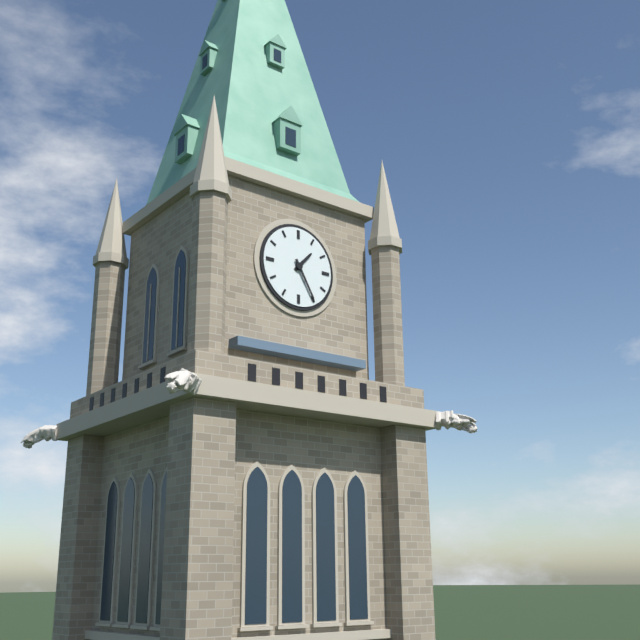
1:25
